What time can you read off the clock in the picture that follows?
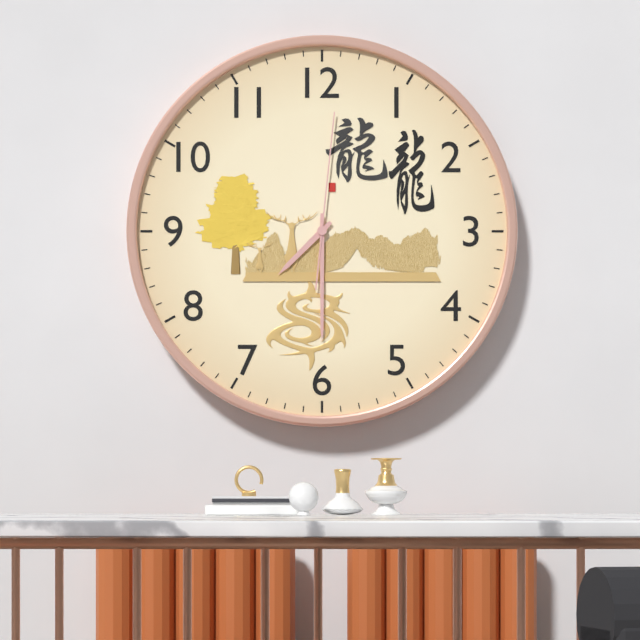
7:30:01
